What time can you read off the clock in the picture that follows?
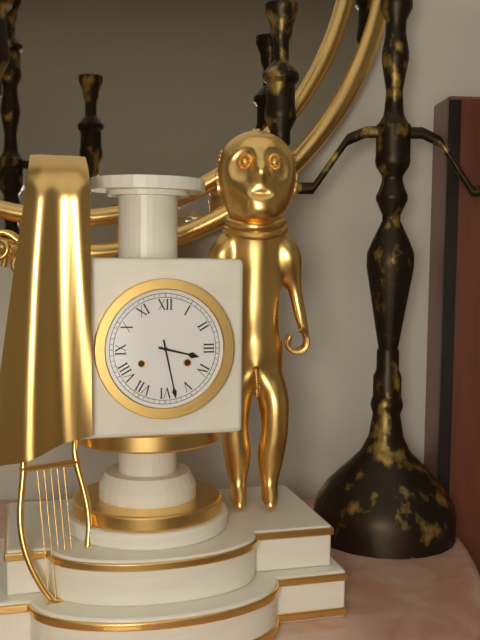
3:28
